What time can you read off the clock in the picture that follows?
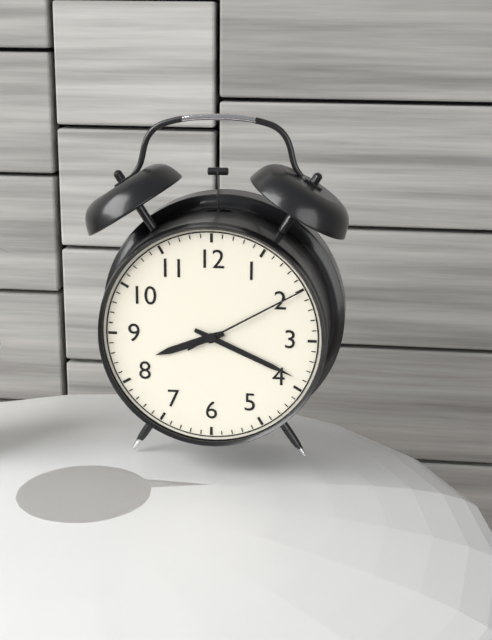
8:19:10
